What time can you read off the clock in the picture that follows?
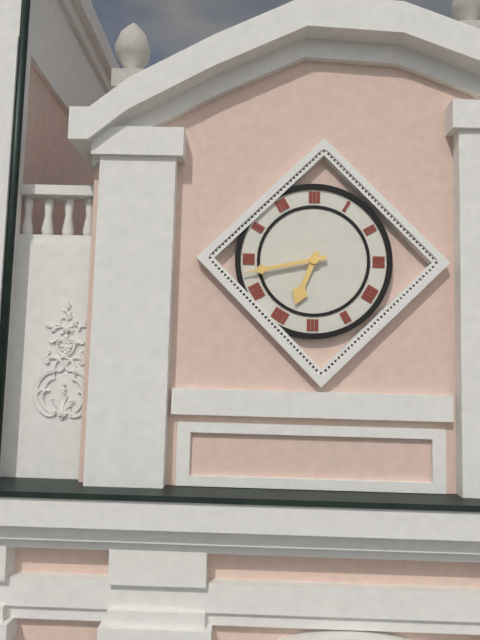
6:43
